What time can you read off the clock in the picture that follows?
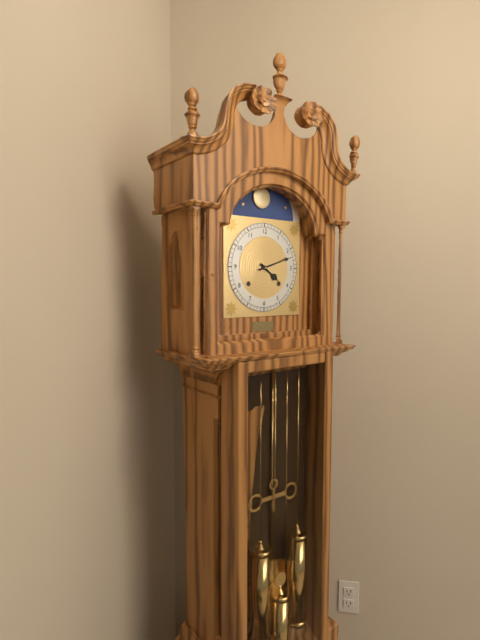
4:12
